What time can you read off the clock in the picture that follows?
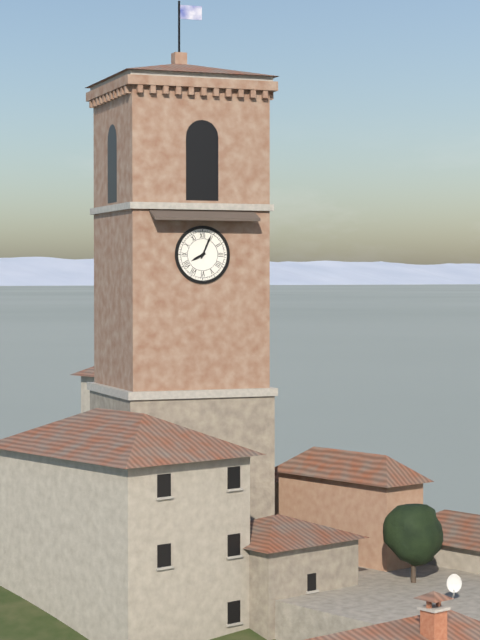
8:04
